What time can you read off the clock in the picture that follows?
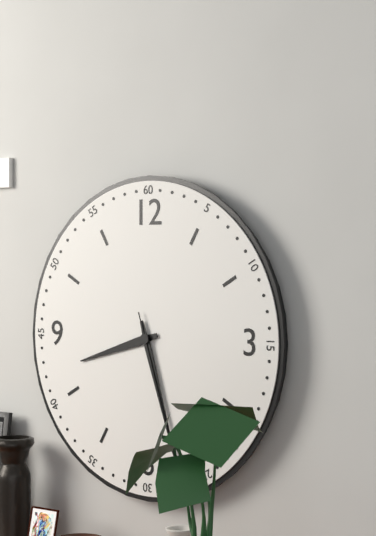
8:27:27
